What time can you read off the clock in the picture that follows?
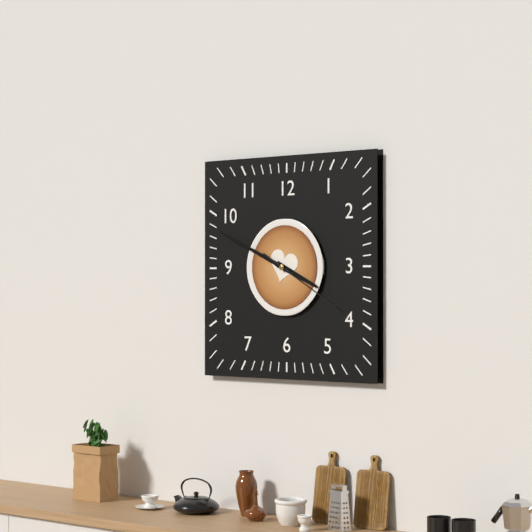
3:49:20
